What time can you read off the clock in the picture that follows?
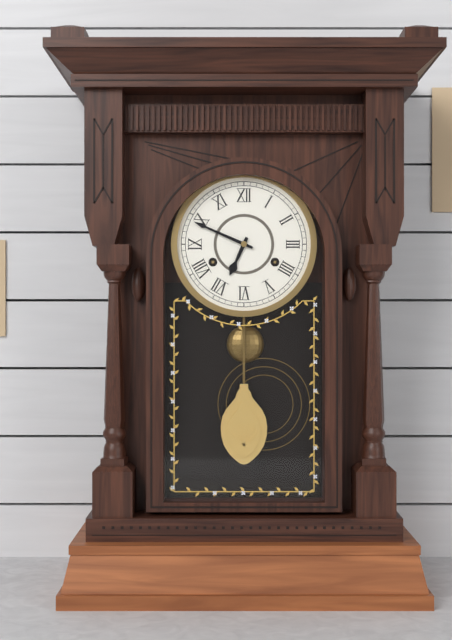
6:49
